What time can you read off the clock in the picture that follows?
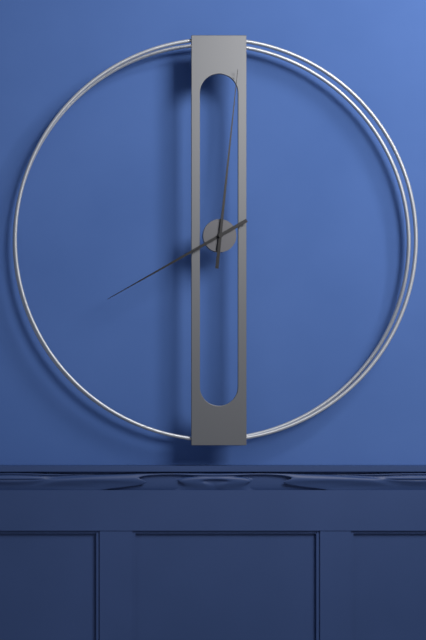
8:01
